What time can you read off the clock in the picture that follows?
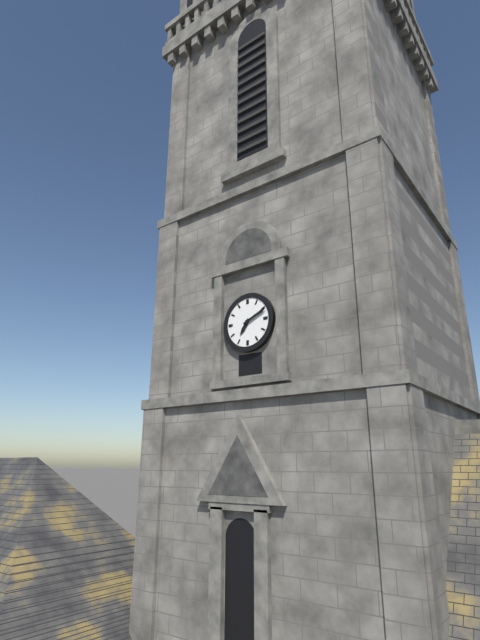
7:11
